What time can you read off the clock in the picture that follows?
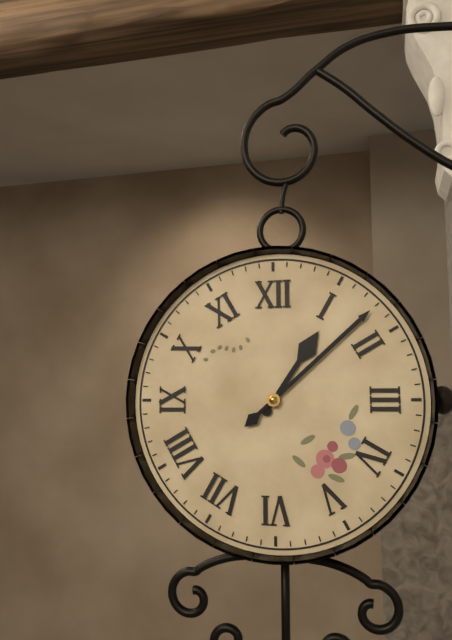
1:08
